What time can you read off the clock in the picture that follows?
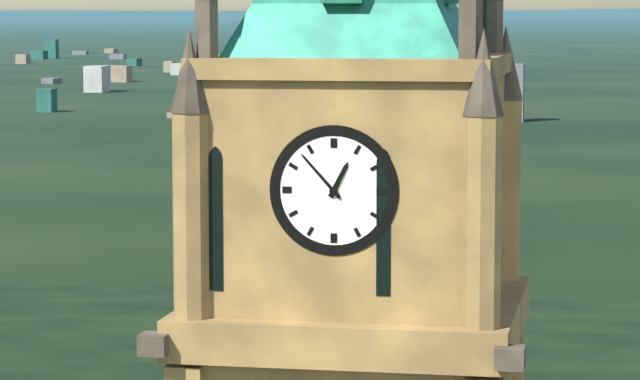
12:53
